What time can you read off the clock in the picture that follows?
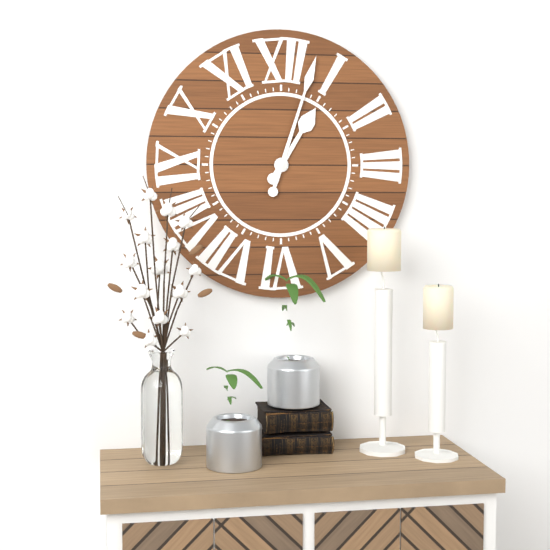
1:03
